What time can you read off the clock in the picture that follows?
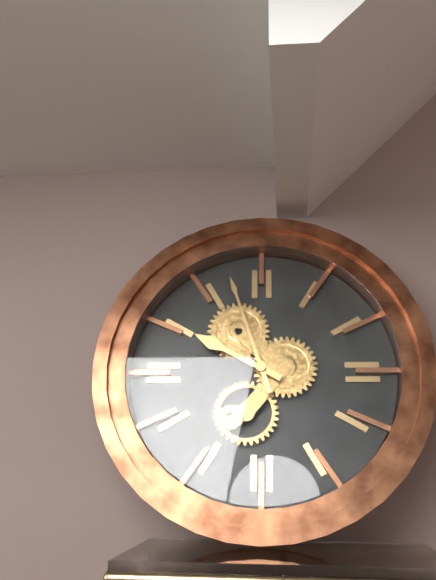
9:57
